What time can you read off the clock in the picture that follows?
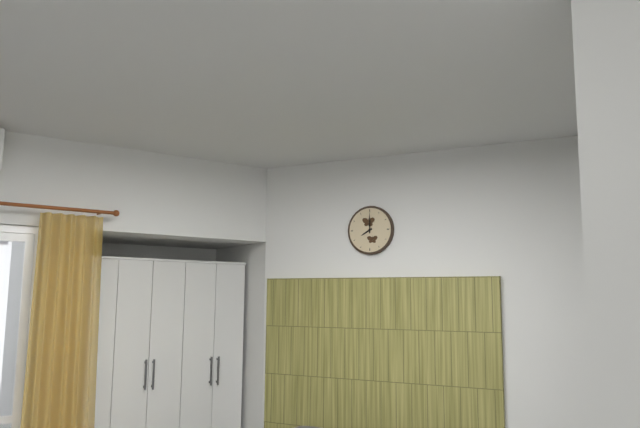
8:00
